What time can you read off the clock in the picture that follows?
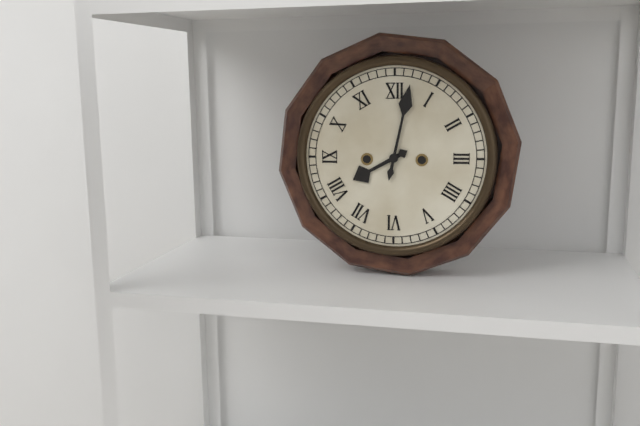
8:02
